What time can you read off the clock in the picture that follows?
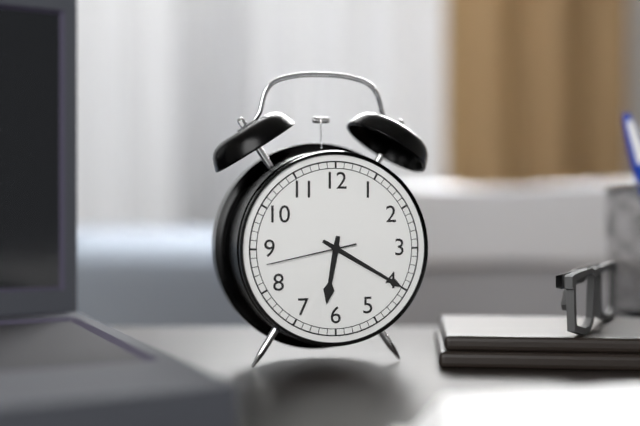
6:20:43
